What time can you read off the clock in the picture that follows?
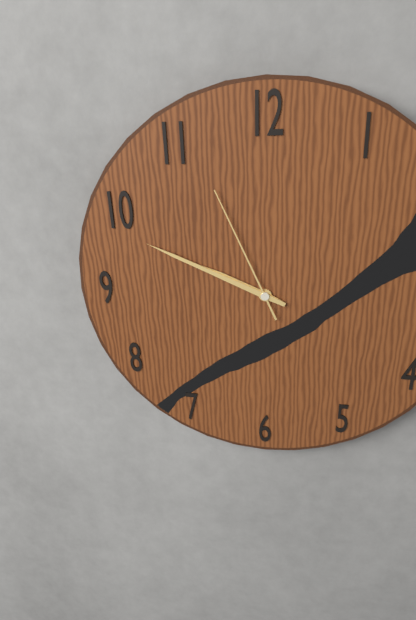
9:49:56
